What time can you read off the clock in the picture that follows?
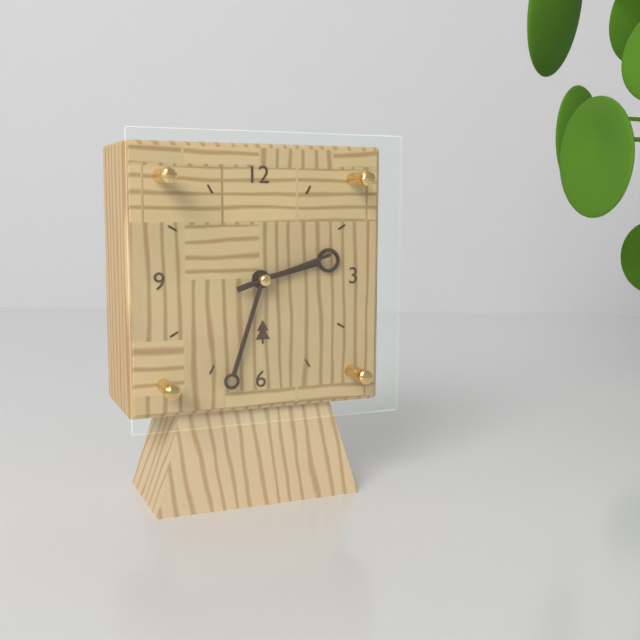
2:33:12
